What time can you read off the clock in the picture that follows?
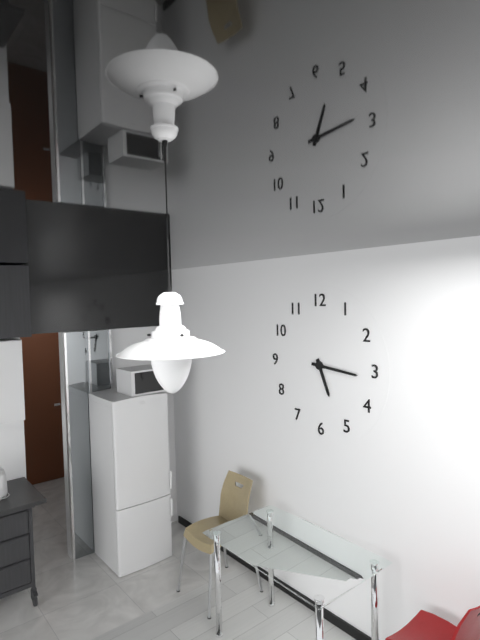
5:16
